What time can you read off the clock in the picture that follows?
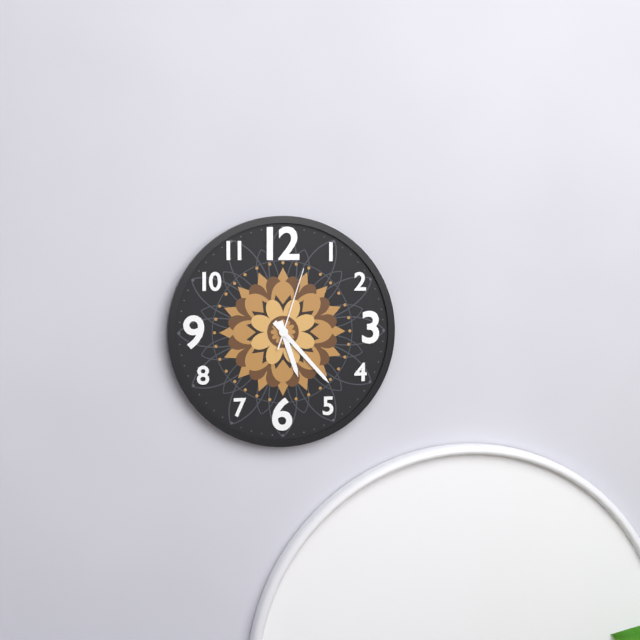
5:23:03
